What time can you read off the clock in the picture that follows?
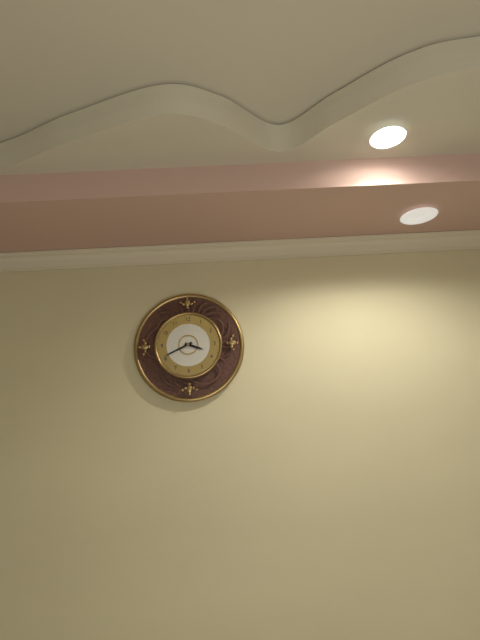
3:41
